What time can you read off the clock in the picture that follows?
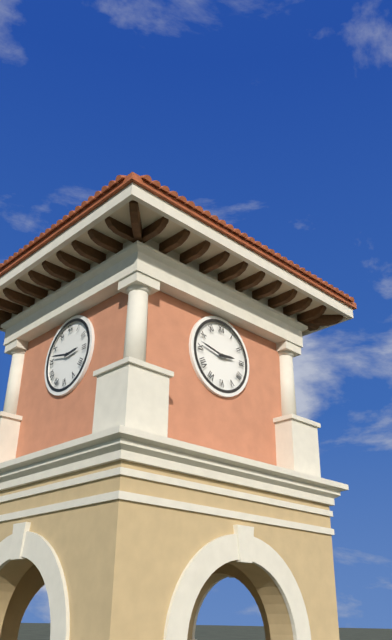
2:47
